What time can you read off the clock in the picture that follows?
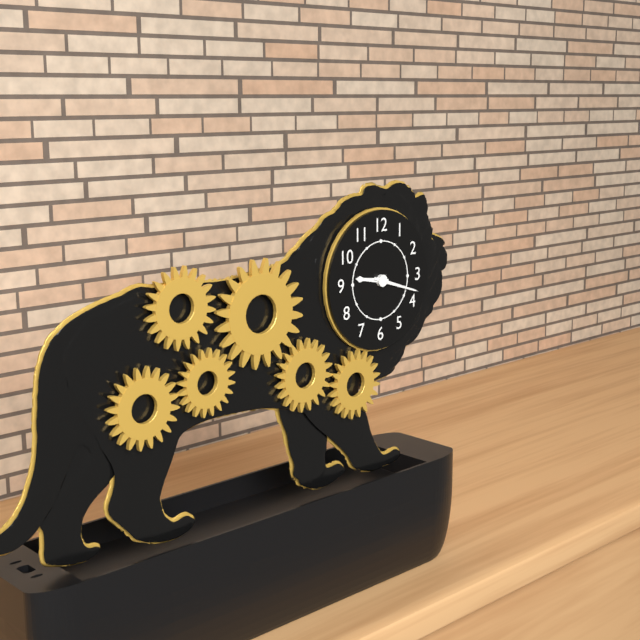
9:18
